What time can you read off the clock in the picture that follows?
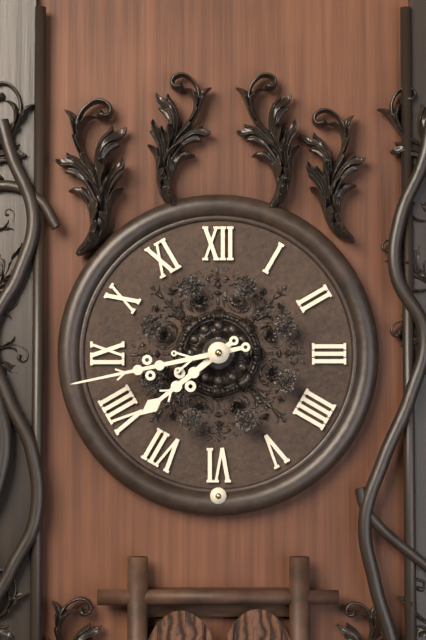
7:43
